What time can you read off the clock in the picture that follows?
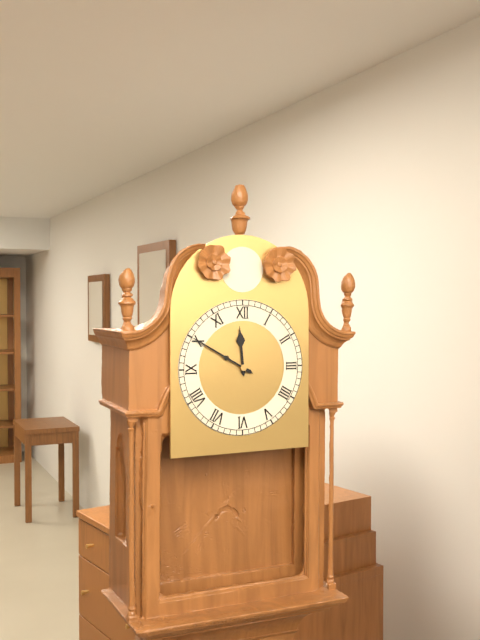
11:50
